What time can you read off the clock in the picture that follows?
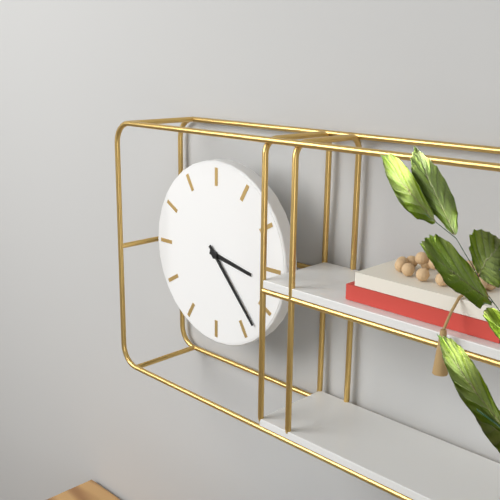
3:23
